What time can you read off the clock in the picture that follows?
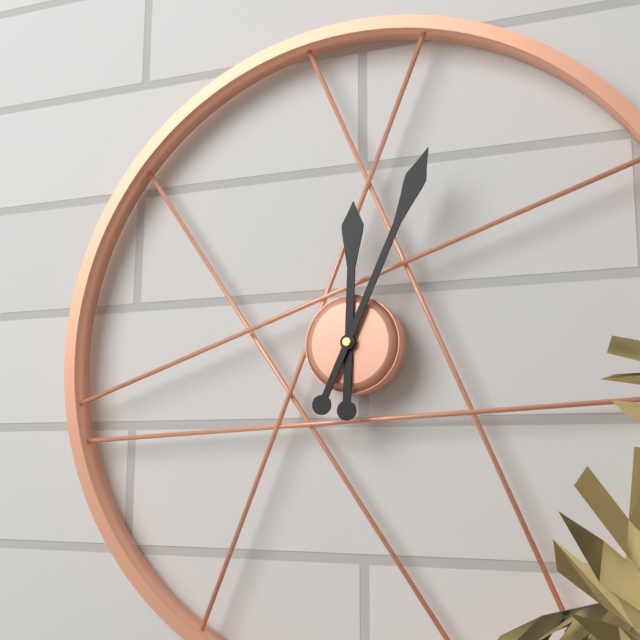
12:04
